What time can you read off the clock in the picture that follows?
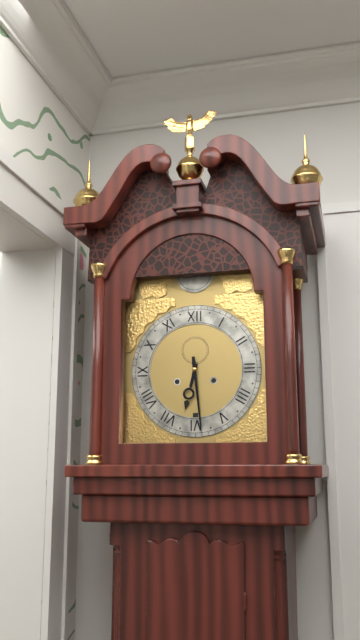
6:29
